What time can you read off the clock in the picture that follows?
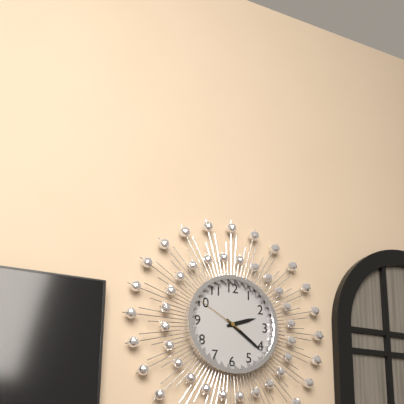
2:21
